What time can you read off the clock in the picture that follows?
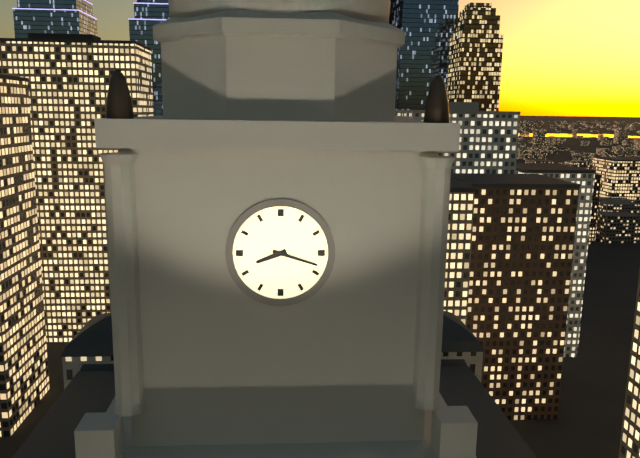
8:18
